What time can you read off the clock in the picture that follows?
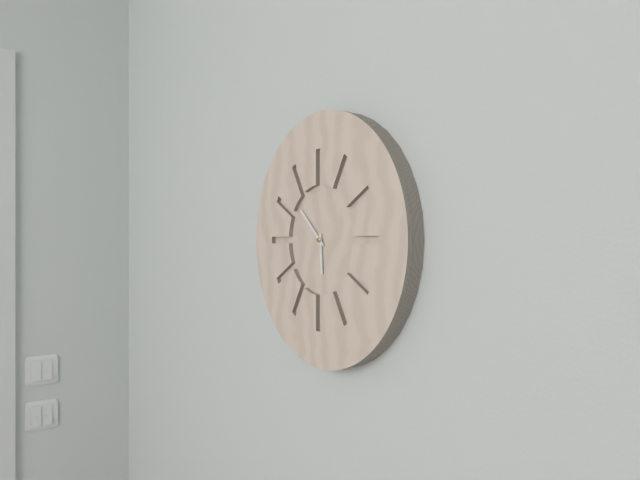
5:52
